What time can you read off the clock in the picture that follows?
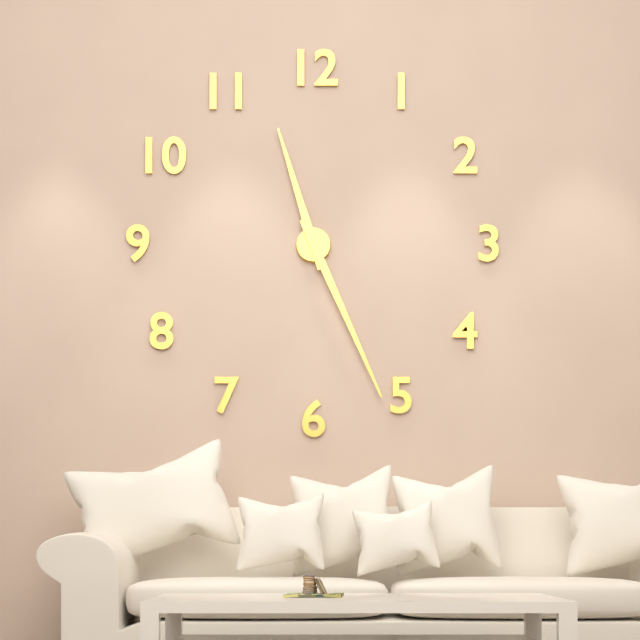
11:26
